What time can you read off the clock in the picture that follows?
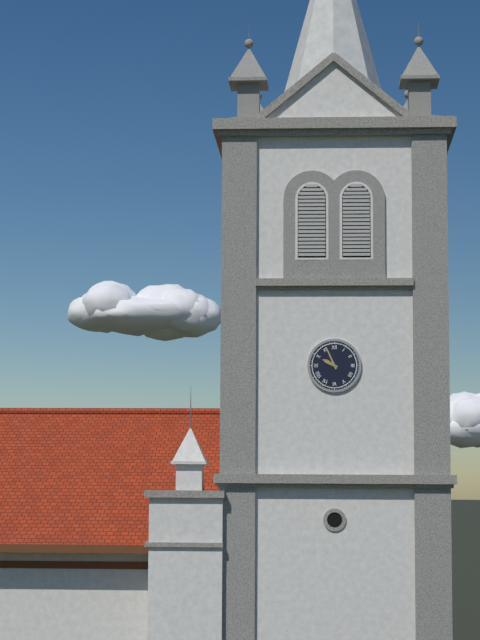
9:56
